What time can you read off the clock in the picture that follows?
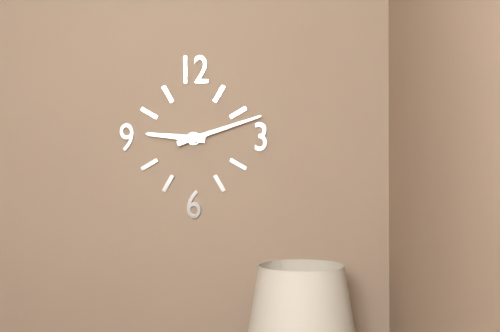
9:12
